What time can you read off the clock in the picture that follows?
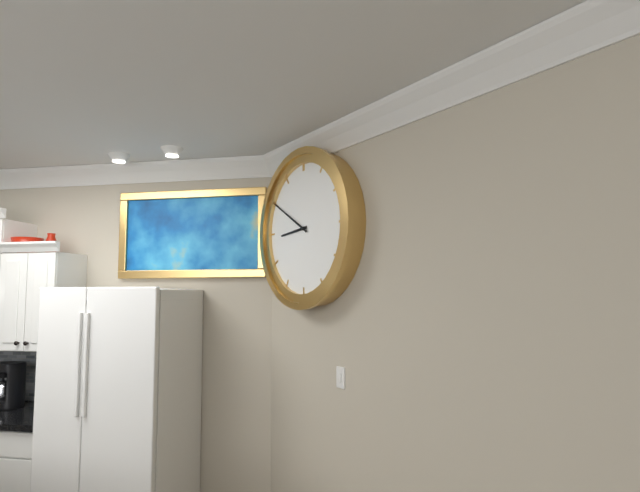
8:50
